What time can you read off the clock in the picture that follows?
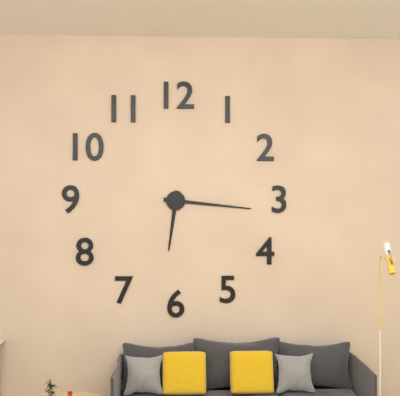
6:16
